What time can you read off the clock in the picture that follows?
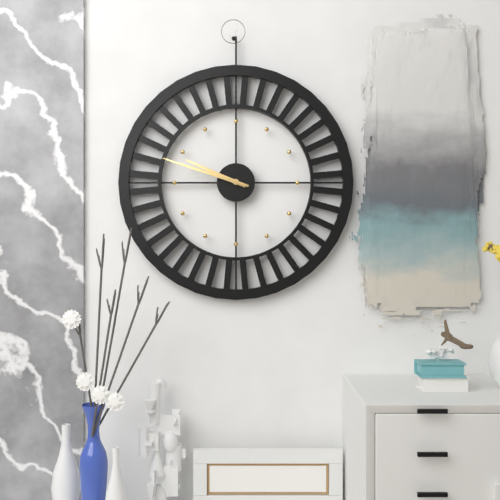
9:48
